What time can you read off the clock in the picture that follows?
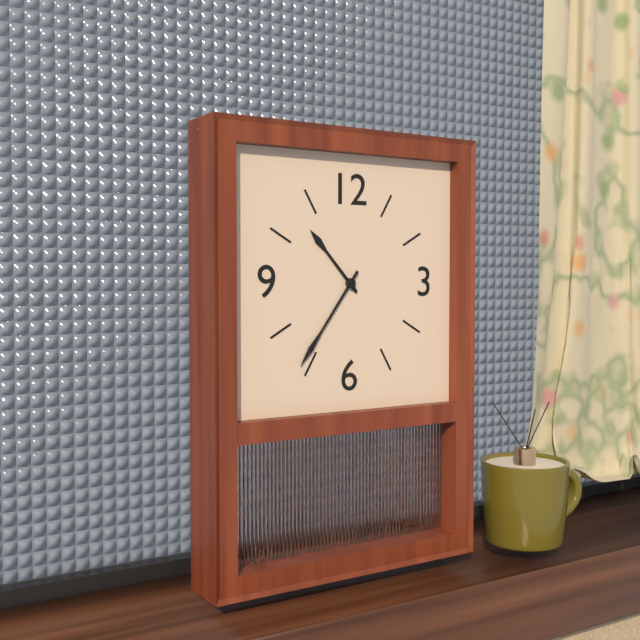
10:36
